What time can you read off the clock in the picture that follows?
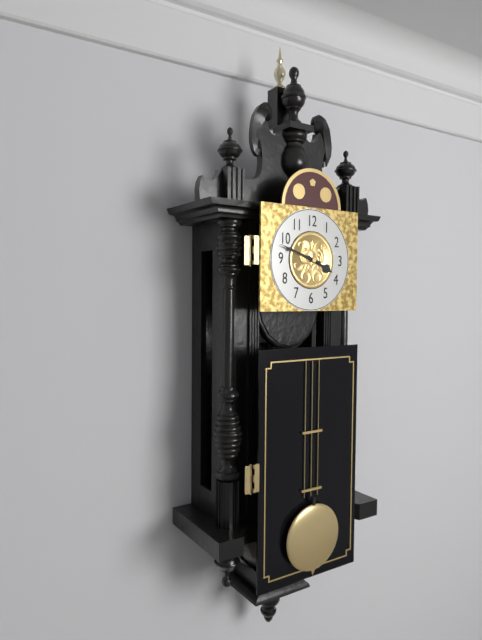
3:48
